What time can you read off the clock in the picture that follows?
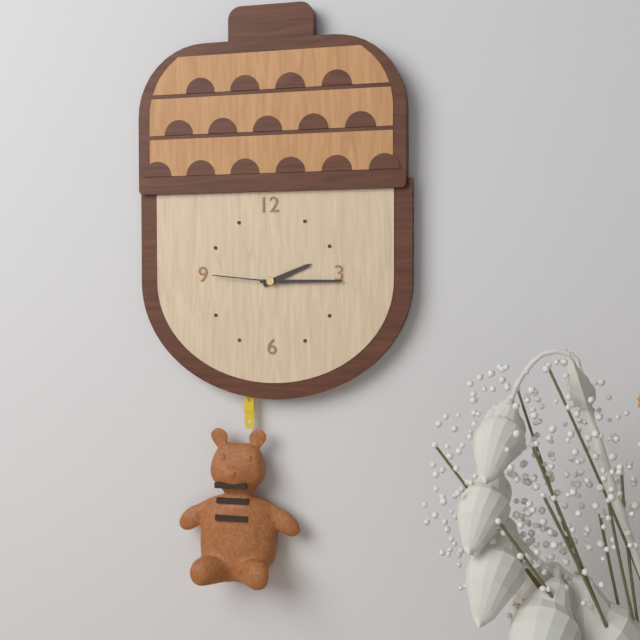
2:15:46
